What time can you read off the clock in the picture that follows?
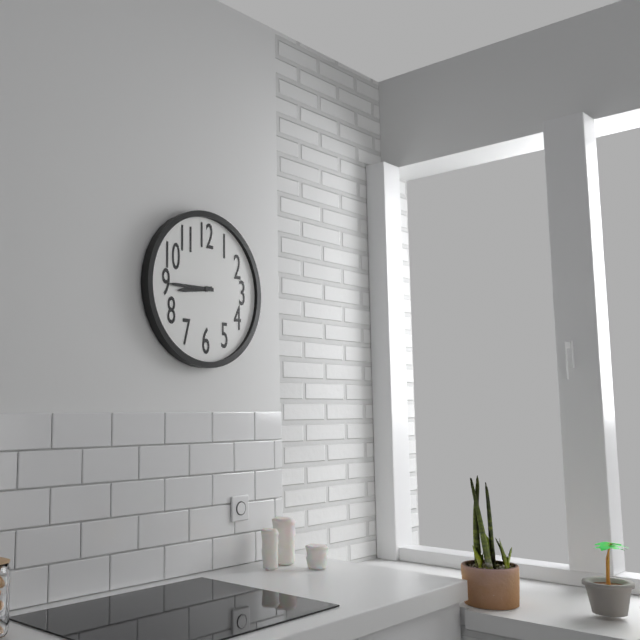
8:45
